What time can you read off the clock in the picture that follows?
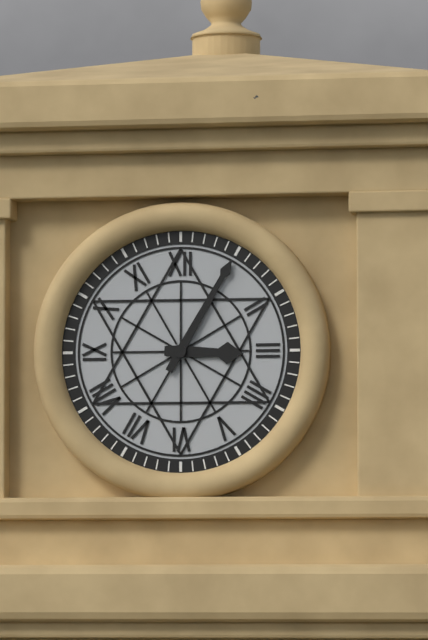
3:05
